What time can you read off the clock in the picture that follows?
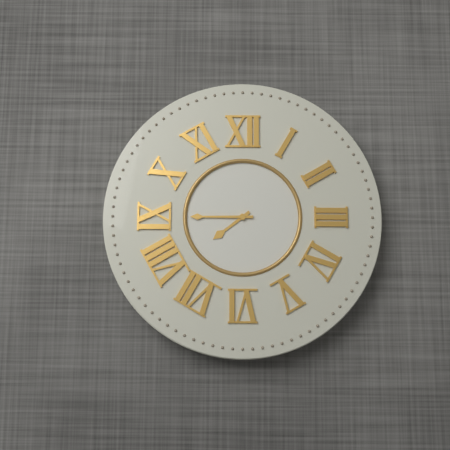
7:45
